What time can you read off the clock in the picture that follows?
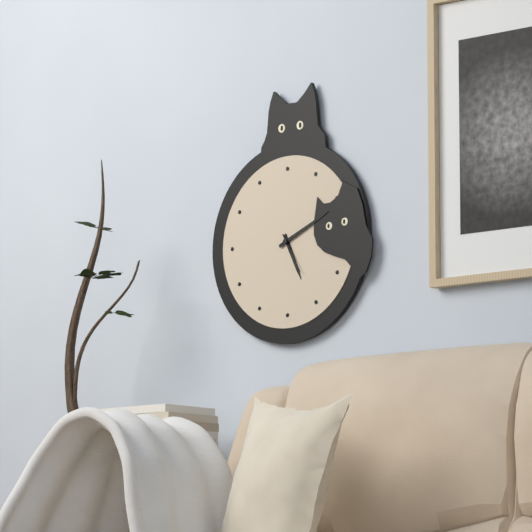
5:11
